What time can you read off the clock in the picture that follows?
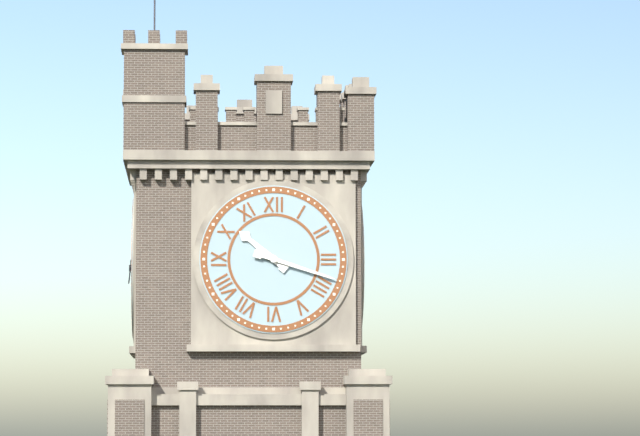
10:18
